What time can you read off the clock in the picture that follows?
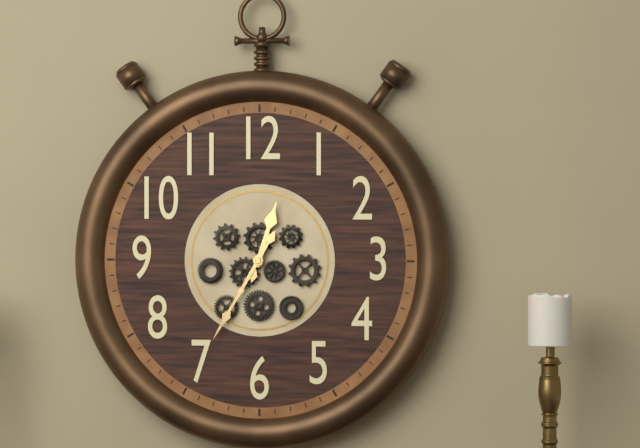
12:35
